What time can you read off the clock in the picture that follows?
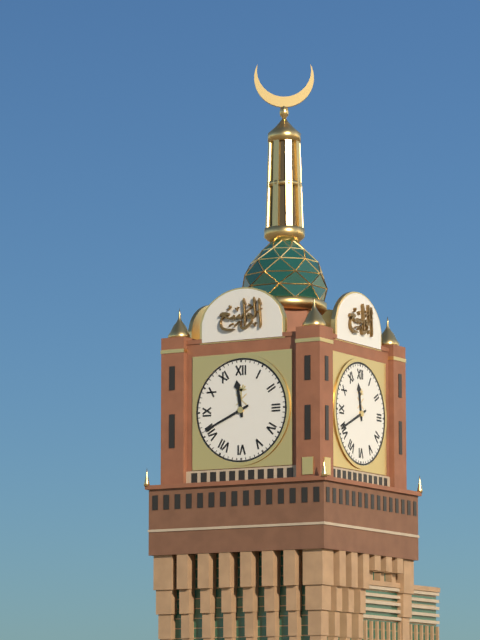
11:41
